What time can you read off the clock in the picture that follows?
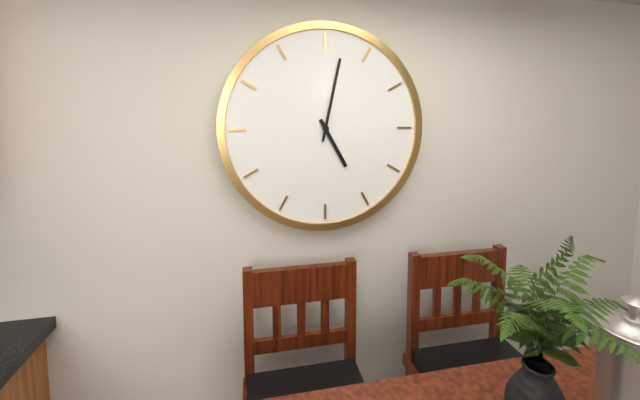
5:02
